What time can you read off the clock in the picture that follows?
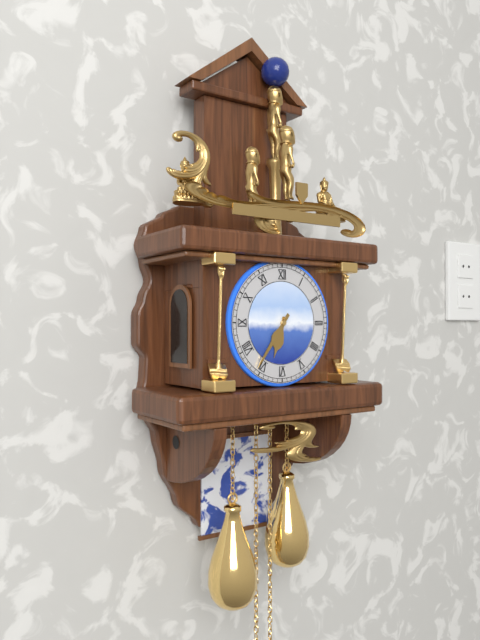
6:36
